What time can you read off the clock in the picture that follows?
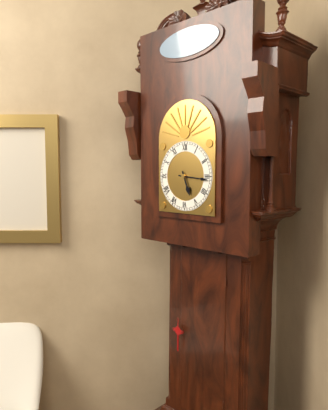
5:16
